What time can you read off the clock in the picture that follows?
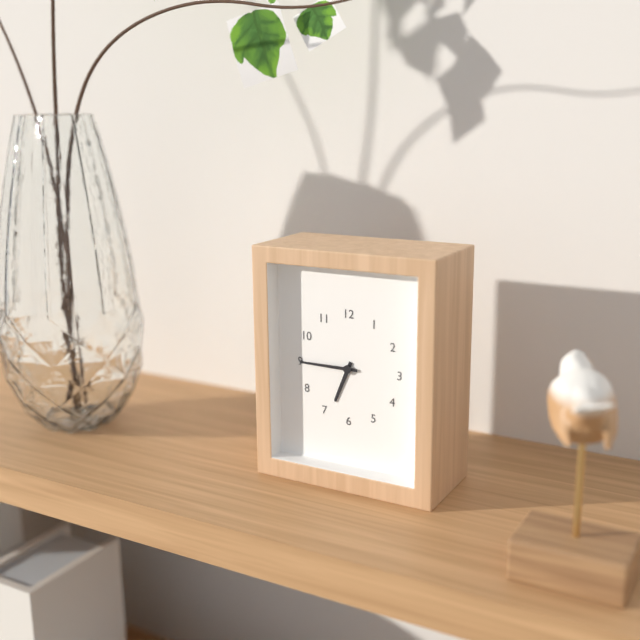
6:45
